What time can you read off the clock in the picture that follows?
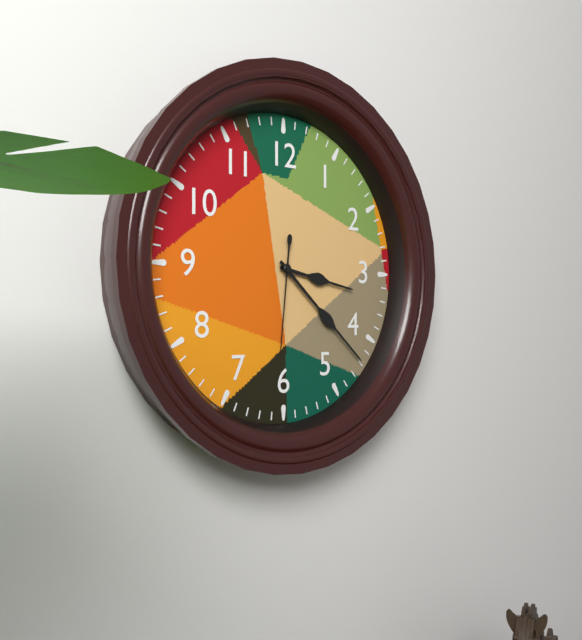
3:22:31
